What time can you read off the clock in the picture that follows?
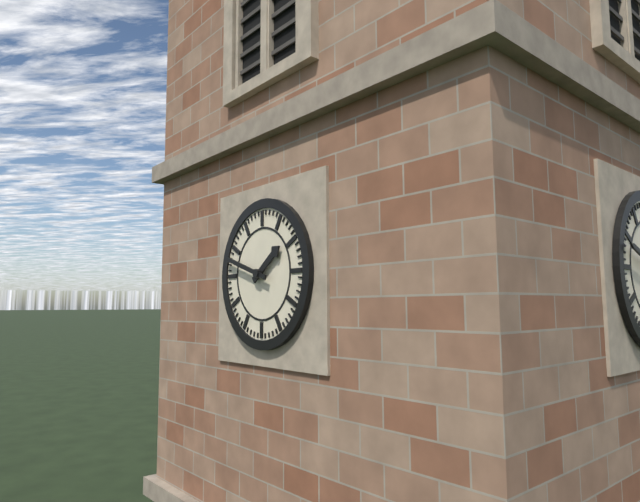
1:48
